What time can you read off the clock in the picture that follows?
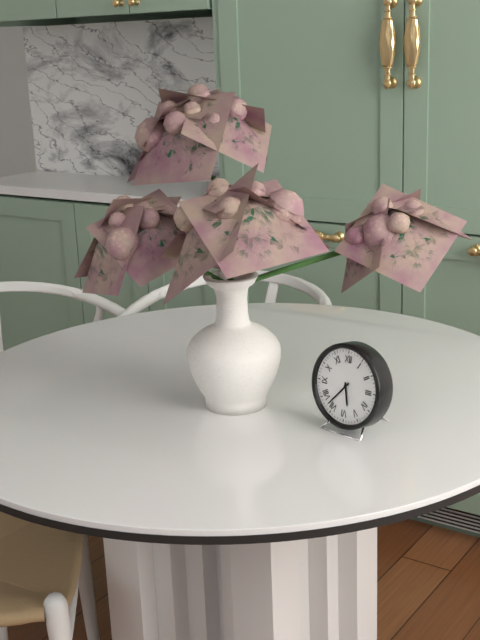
5:37
